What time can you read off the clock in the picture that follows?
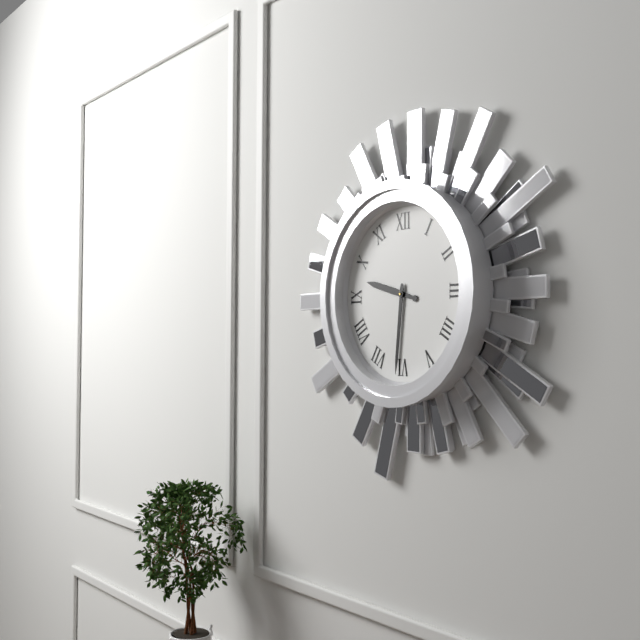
9:31
